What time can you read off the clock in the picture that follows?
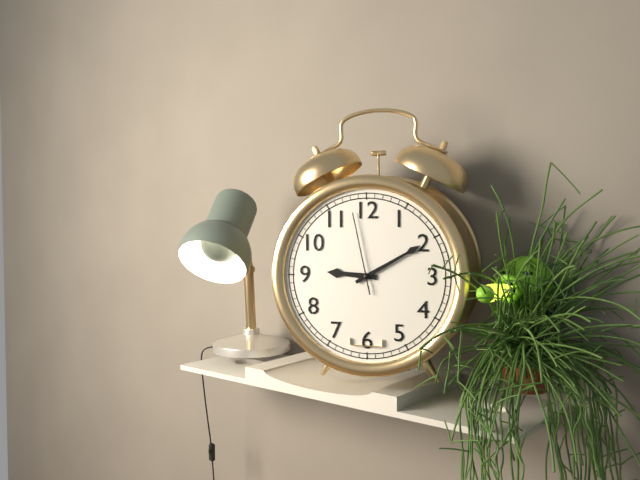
9:10:58
